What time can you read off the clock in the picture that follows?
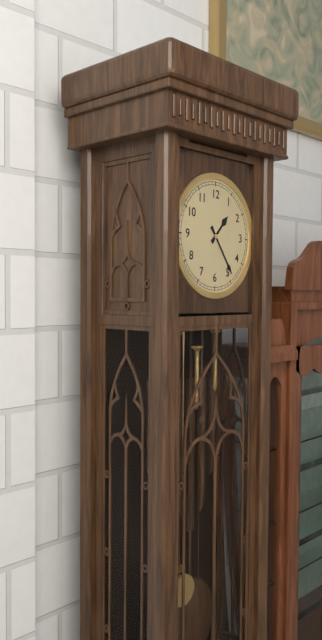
1:24
